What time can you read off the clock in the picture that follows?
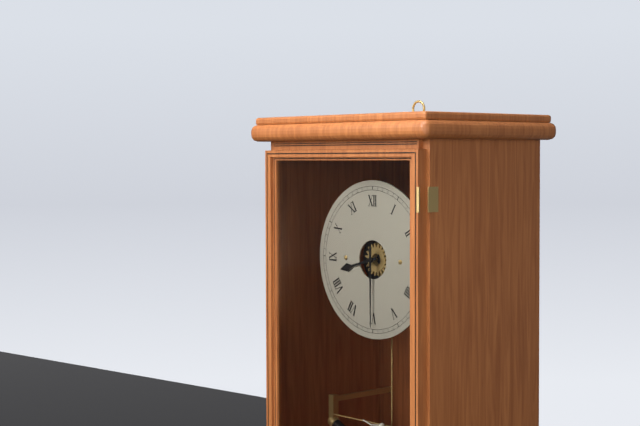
8:30
